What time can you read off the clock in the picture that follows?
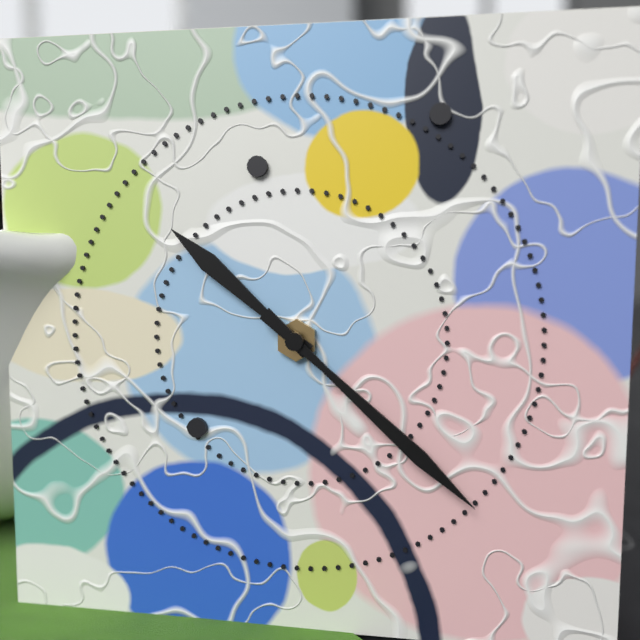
10:22
